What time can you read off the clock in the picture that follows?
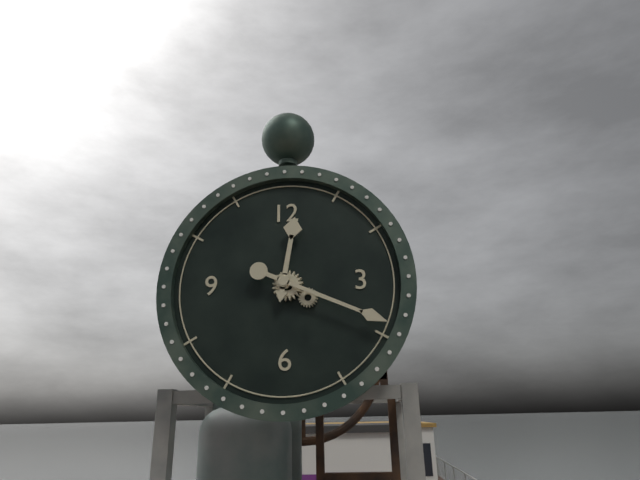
12:19
